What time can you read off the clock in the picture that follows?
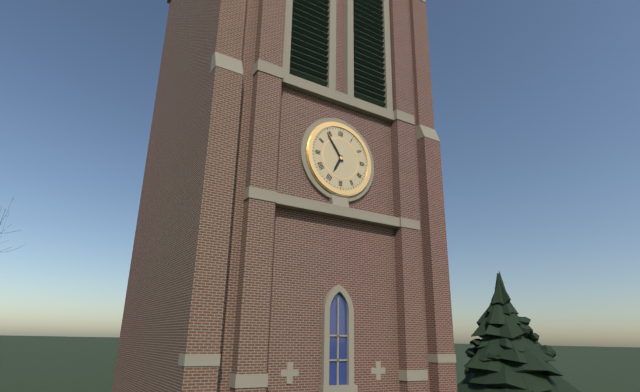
6:54
